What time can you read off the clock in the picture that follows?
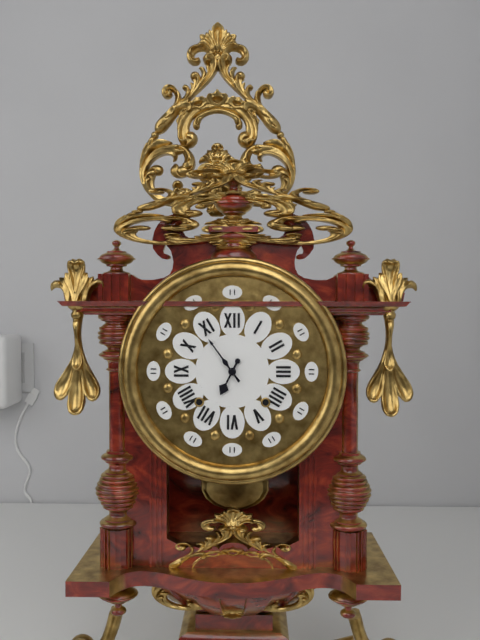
6:54
